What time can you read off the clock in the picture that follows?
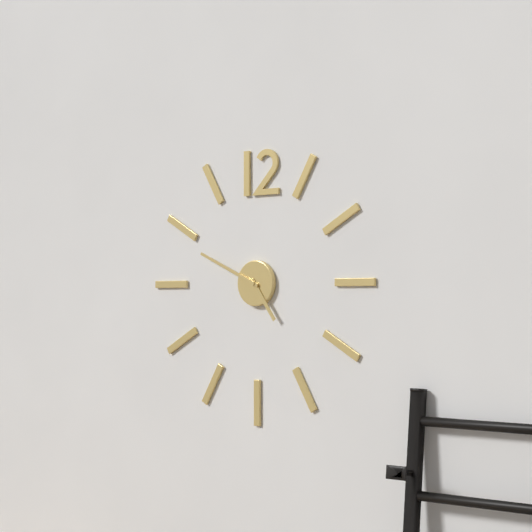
4:49
